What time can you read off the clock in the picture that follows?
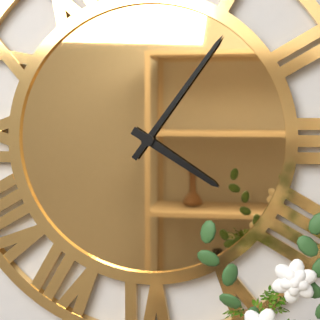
4:06
